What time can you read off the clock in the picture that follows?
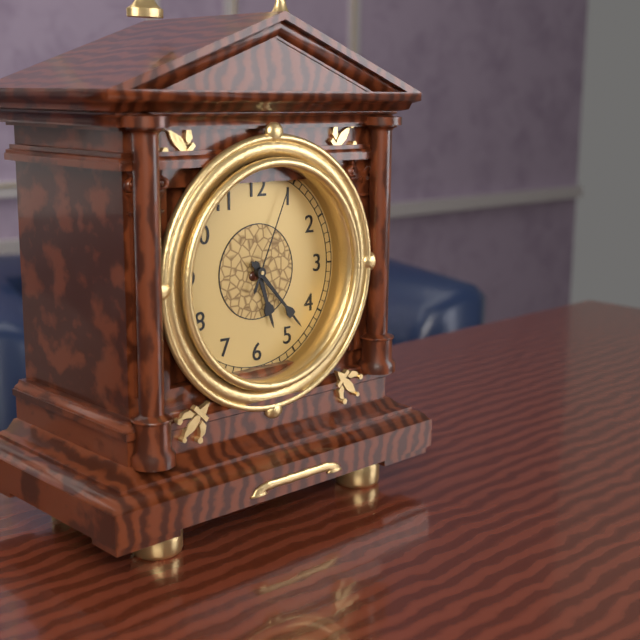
5:23:04
